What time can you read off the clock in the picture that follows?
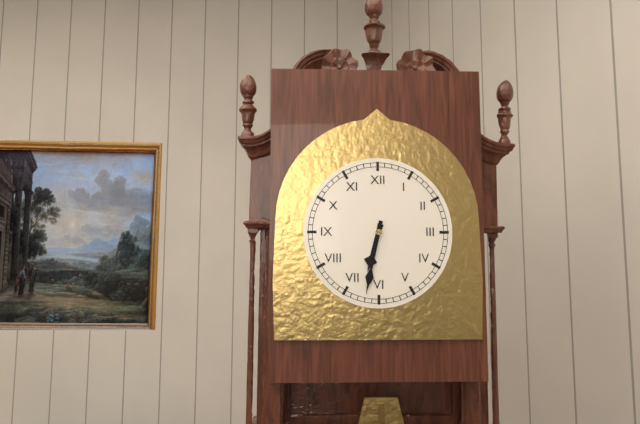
6:32
